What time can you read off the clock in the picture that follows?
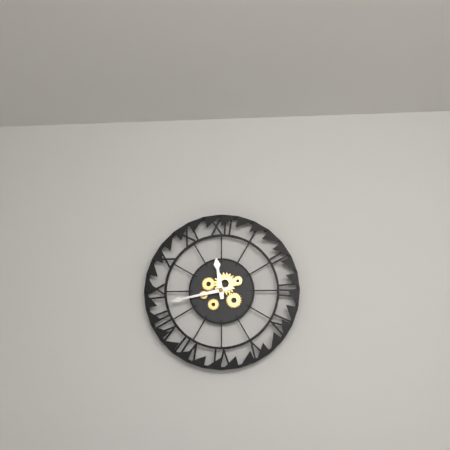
11:43
